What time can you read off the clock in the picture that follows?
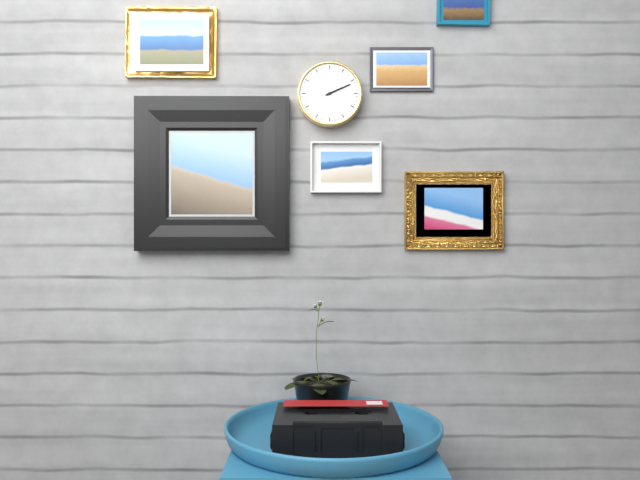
2:11
